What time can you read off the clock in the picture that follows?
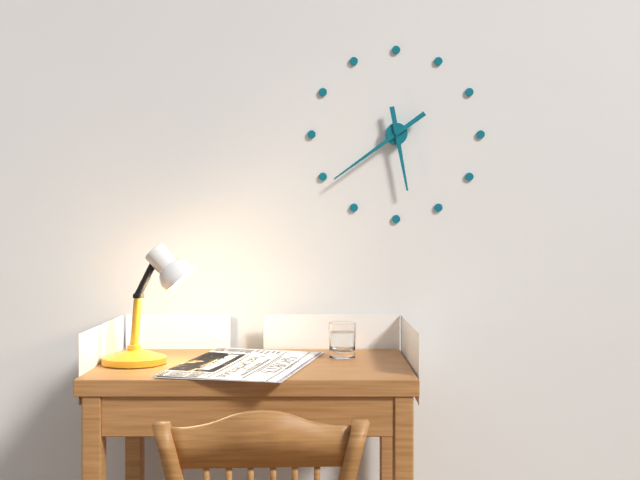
5:39
